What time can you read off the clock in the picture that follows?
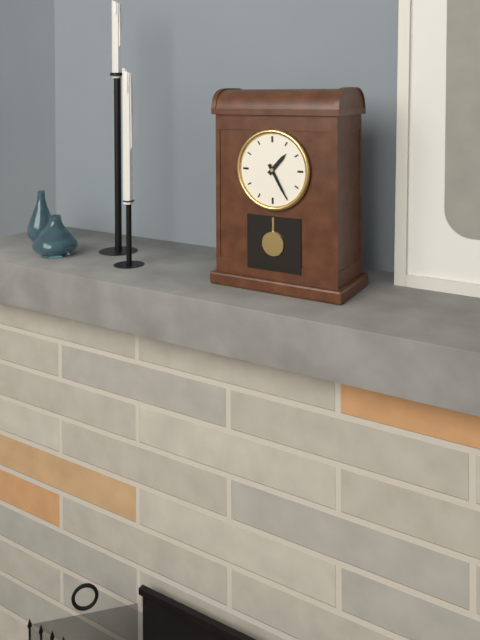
1:25
